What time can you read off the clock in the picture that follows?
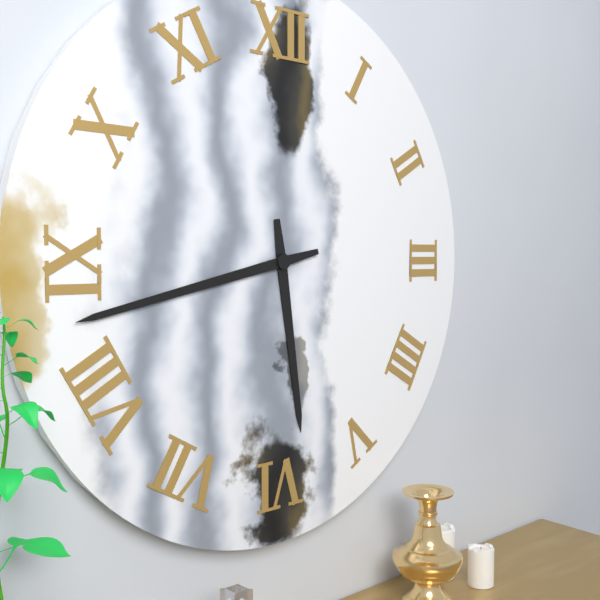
5:43
